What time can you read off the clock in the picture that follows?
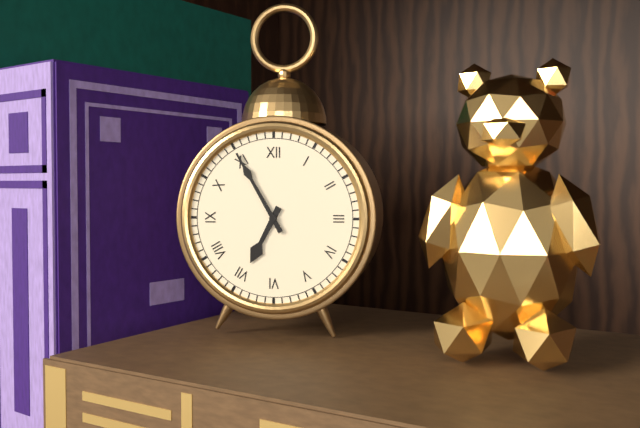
6:55
